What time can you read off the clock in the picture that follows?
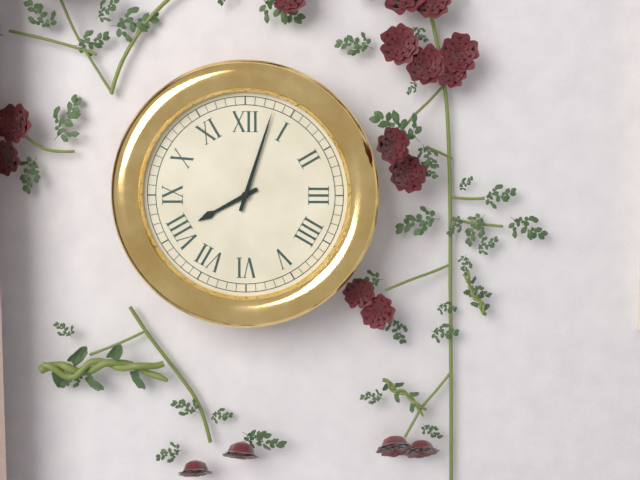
8:03
